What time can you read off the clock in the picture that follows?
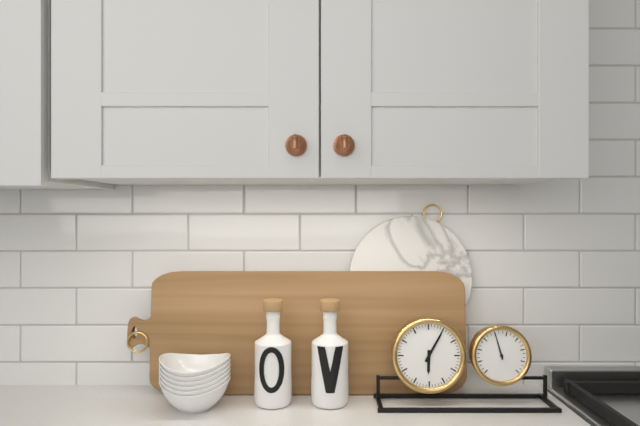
6:05
